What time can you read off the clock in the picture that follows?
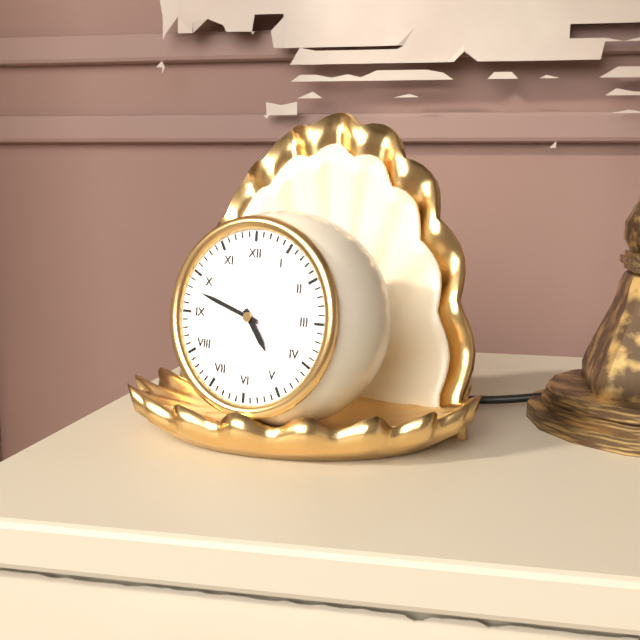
4:48
